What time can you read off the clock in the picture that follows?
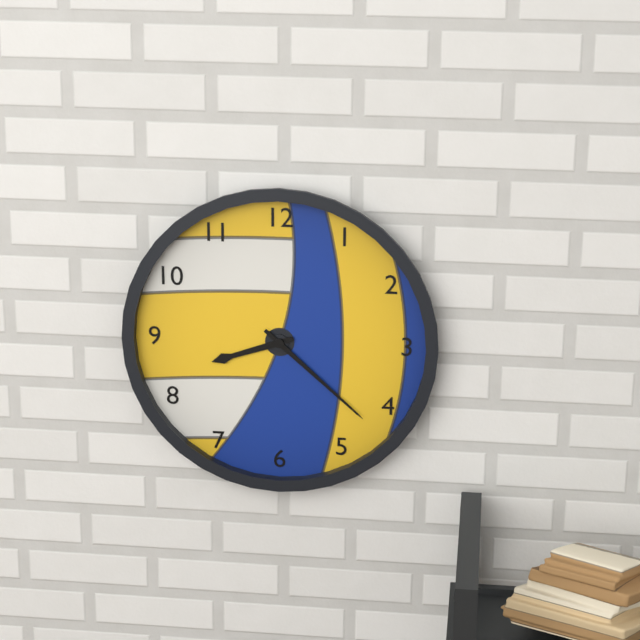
8:22
